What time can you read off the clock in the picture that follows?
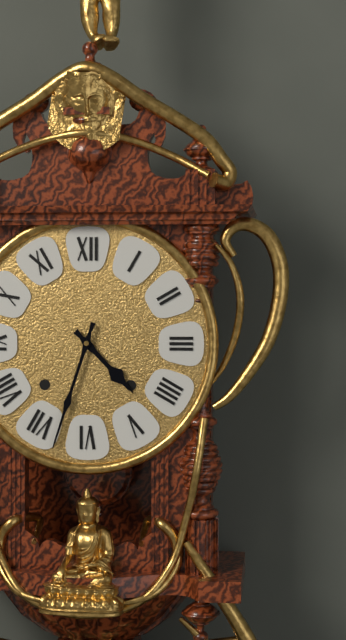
4:33
